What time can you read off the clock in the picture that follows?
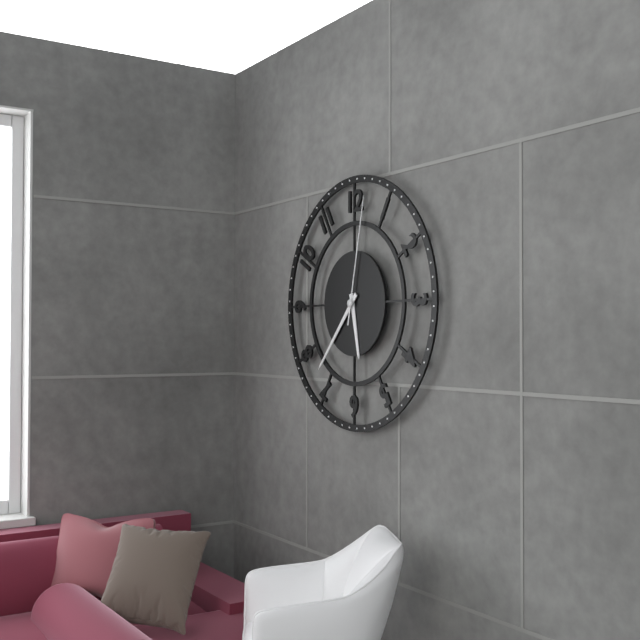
5:37:02
